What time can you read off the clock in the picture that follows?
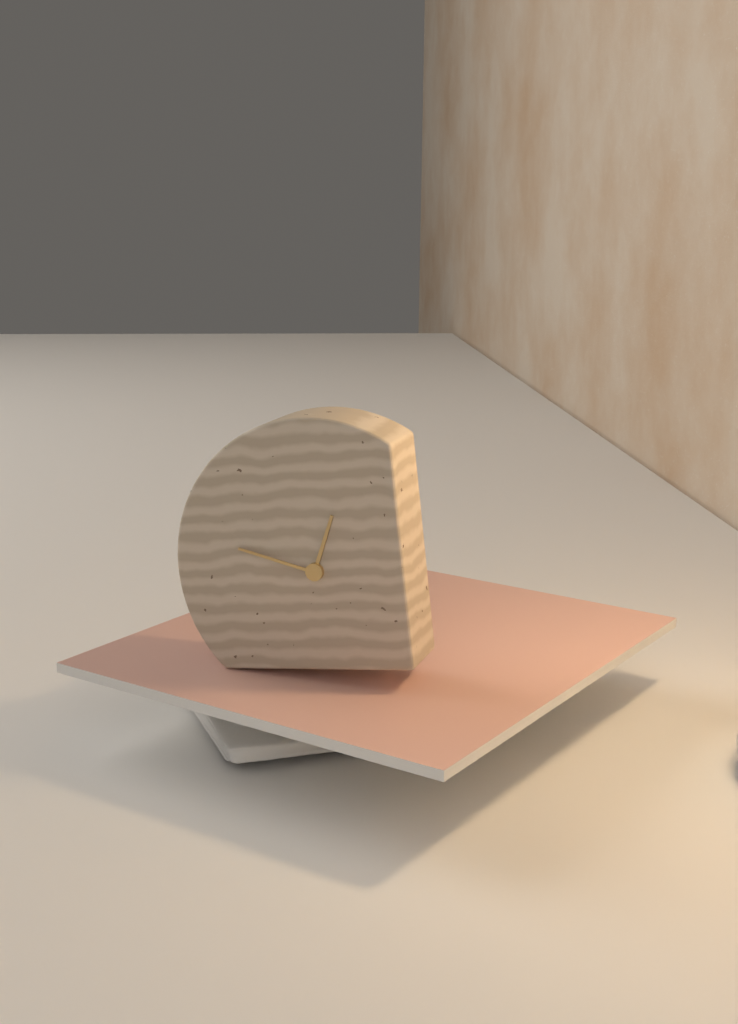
12:48
